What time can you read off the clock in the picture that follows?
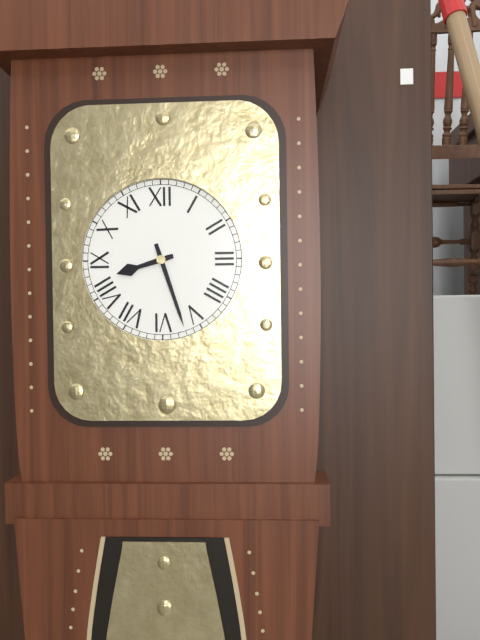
8:27
